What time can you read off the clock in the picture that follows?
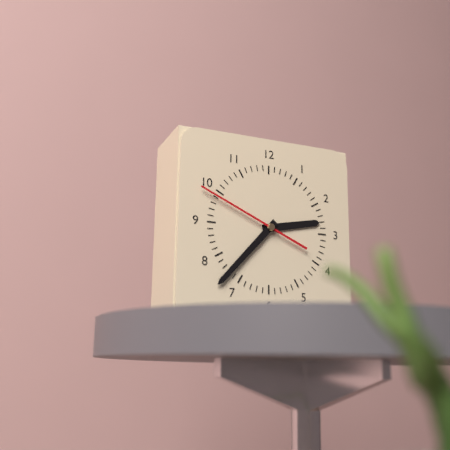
2:37:49
